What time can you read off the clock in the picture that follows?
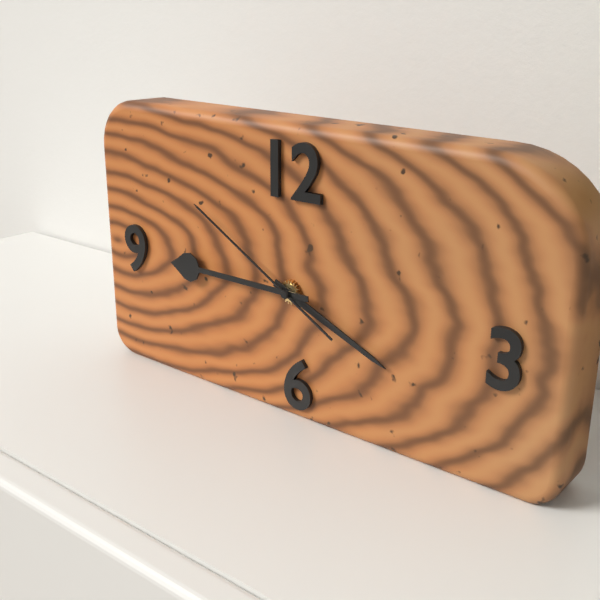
3:45:50
